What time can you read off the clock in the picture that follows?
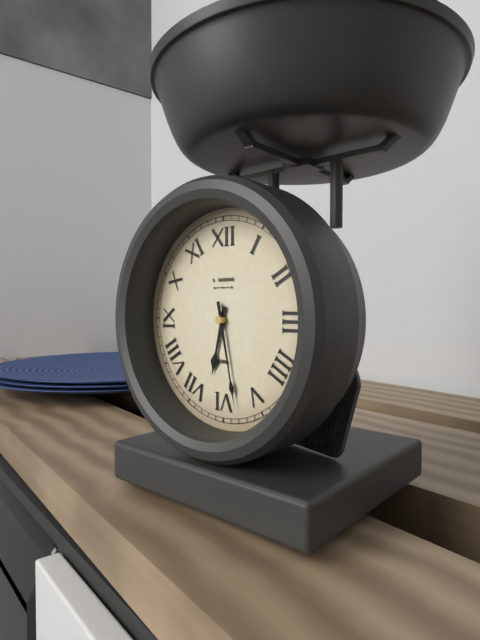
6:28
